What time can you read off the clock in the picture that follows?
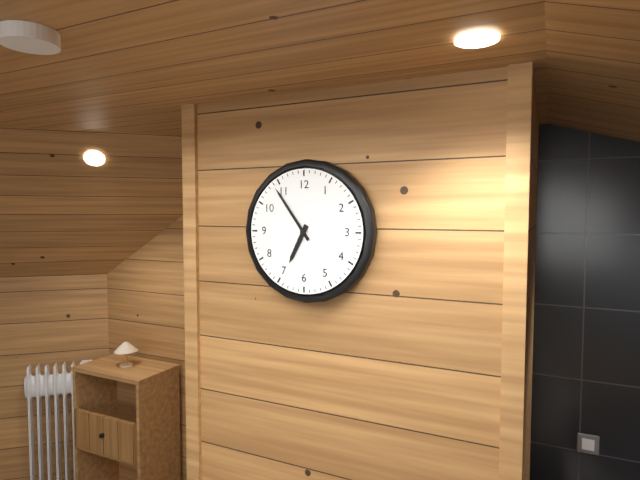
6:54
